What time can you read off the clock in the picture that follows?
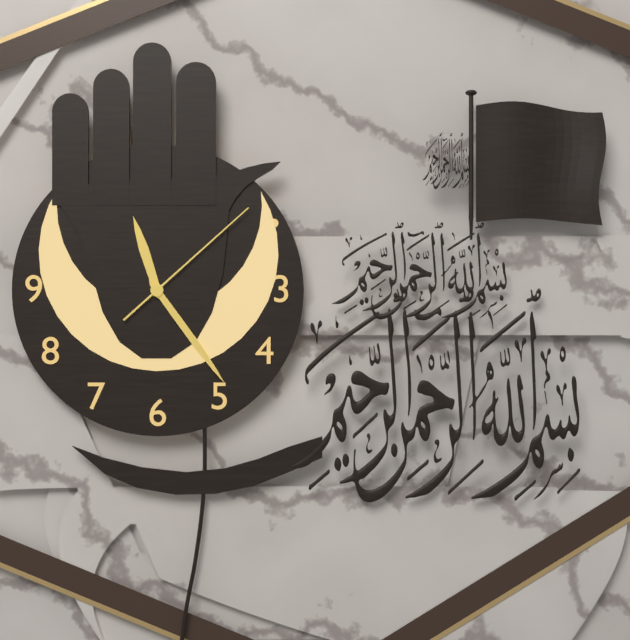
11:24:08
